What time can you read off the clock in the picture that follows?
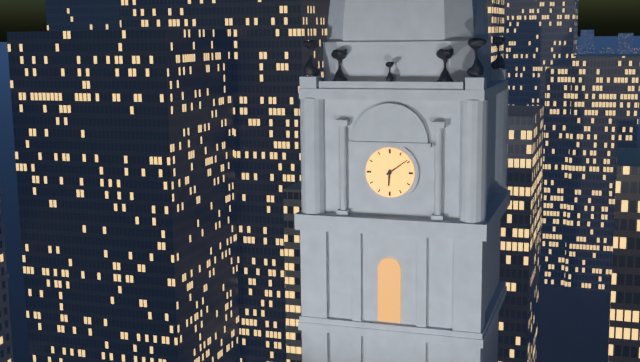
6:09
